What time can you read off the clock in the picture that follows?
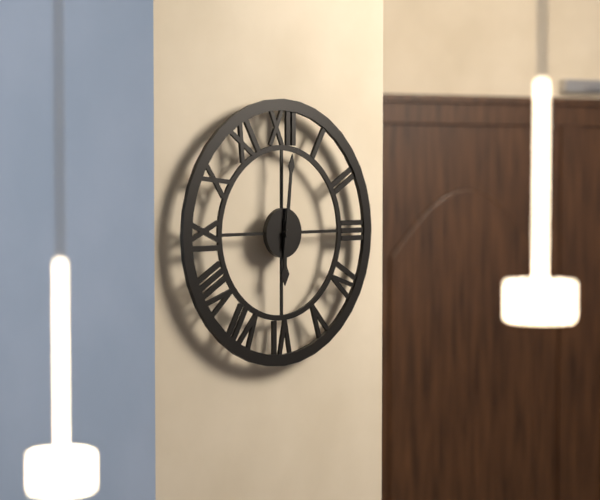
6:01
